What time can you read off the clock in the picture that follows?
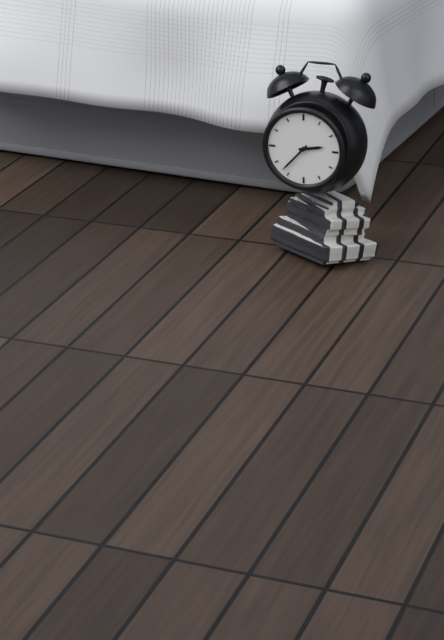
2:37
